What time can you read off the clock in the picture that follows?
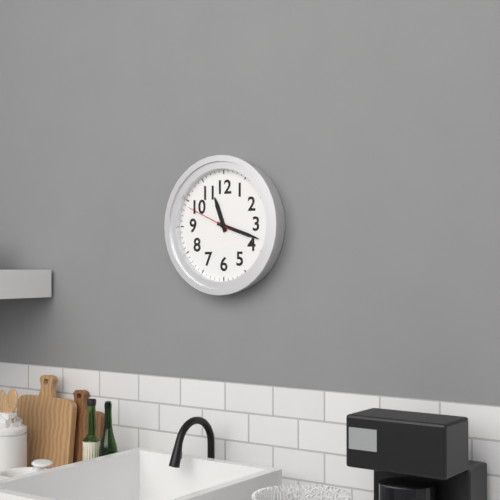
11:18:49
